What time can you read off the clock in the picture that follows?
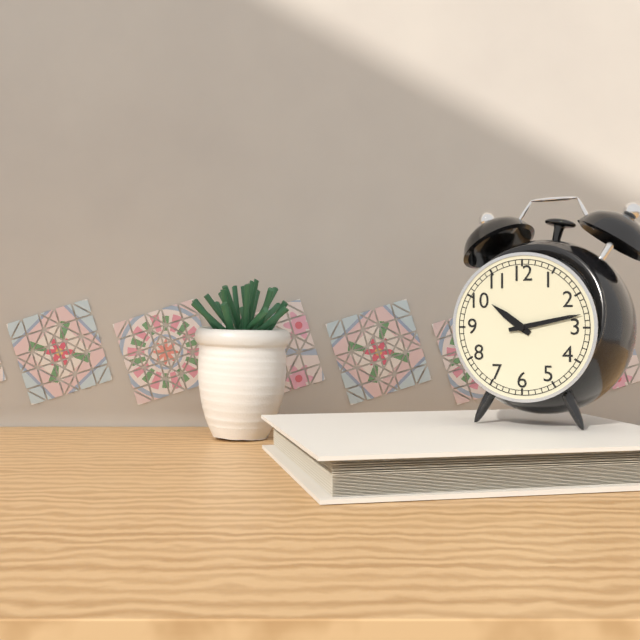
10:13
